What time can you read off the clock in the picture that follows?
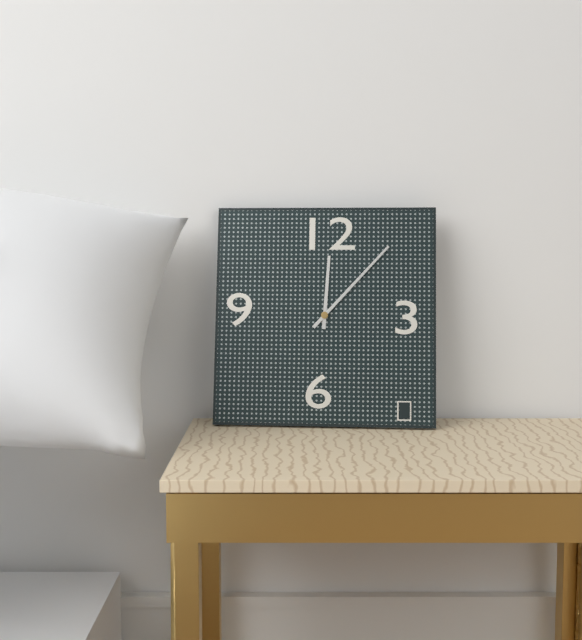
12:07
